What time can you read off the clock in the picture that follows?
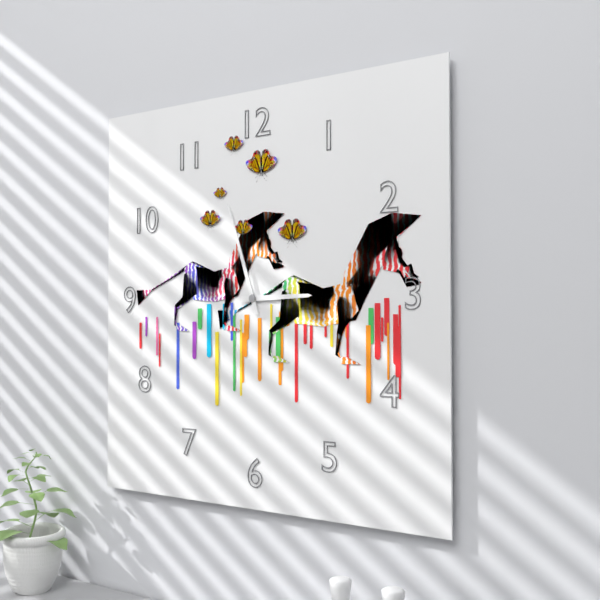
2:57
